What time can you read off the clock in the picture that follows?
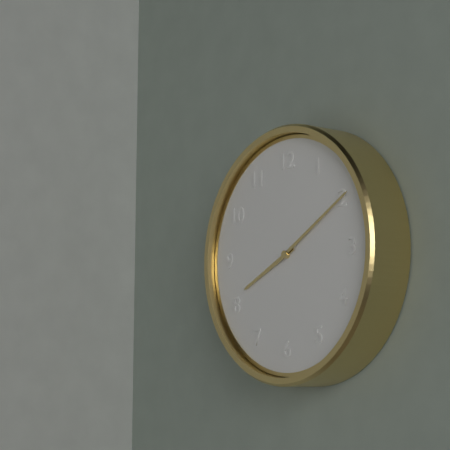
8:10
